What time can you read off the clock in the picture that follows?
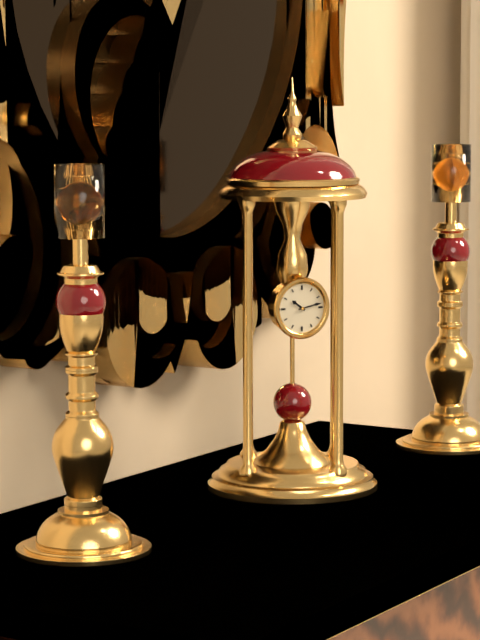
10:13
